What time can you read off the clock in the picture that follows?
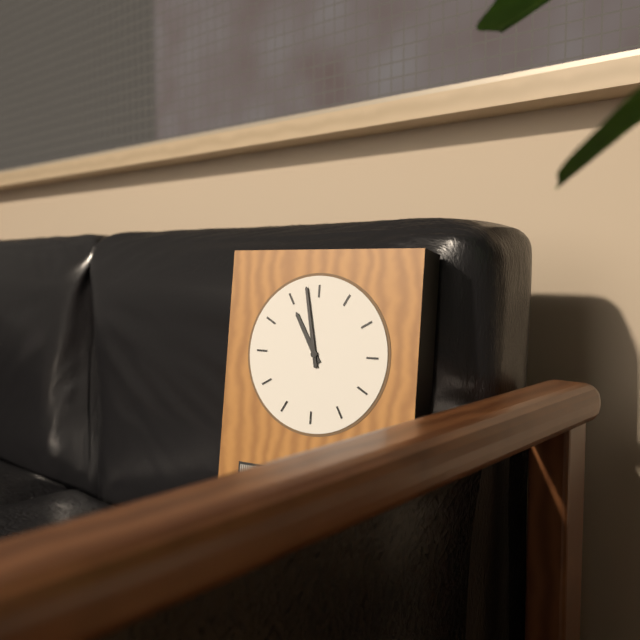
10:58
